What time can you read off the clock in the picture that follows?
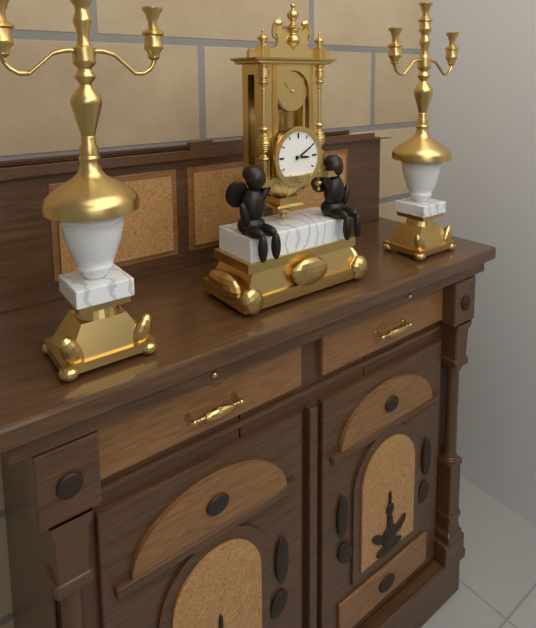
3:10
